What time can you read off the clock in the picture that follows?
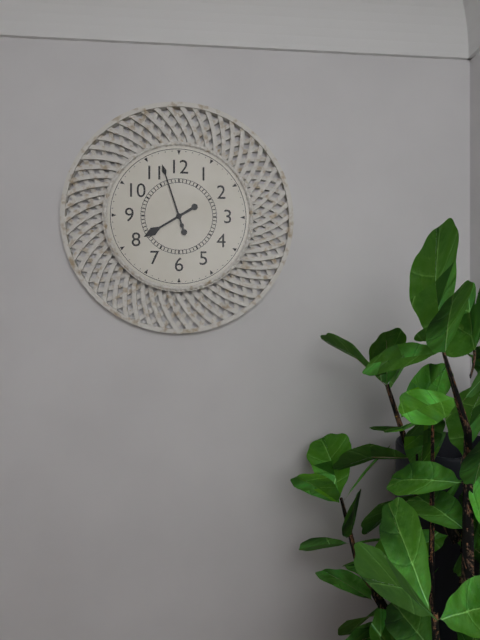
7:57
